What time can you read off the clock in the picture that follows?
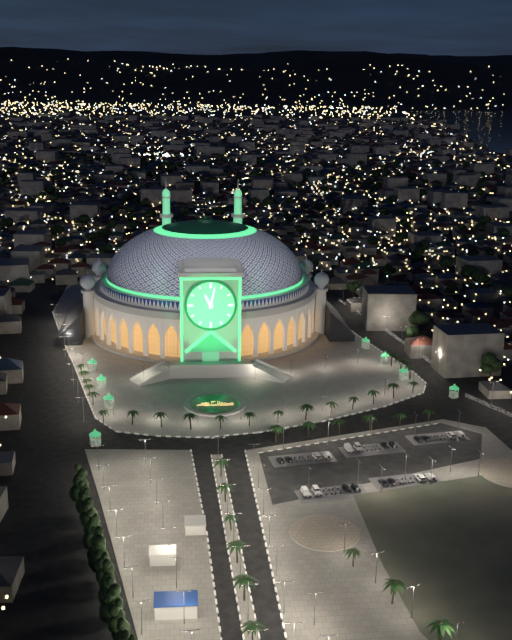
11:02
